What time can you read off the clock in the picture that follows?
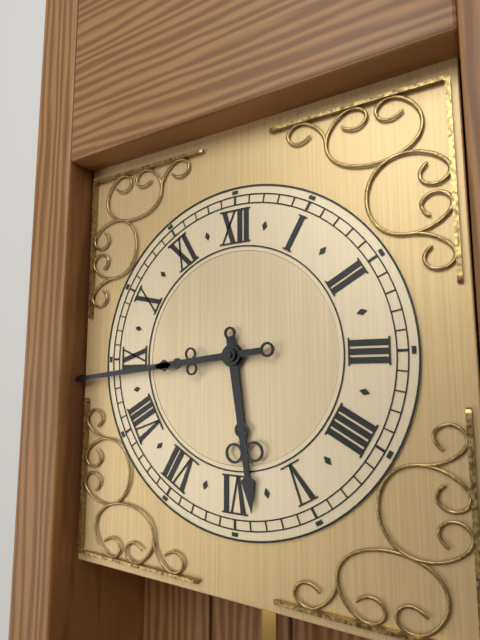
5:44
